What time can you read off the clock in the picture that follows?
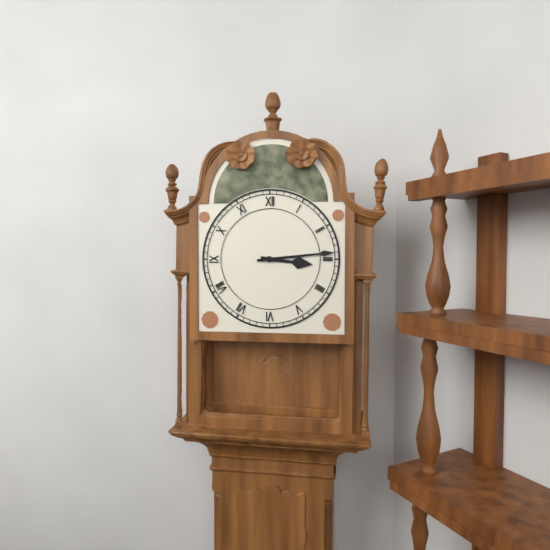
3:14
